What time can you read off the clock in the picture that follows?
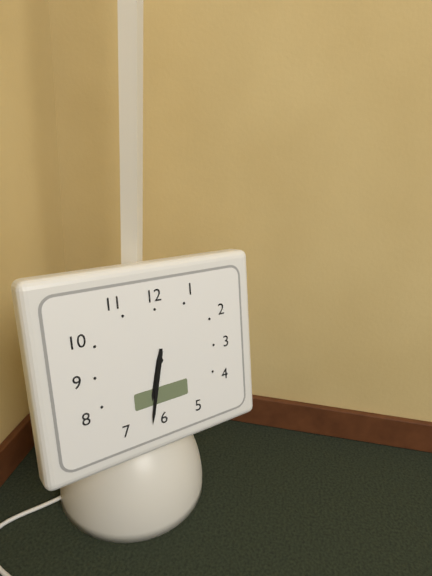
6:32
